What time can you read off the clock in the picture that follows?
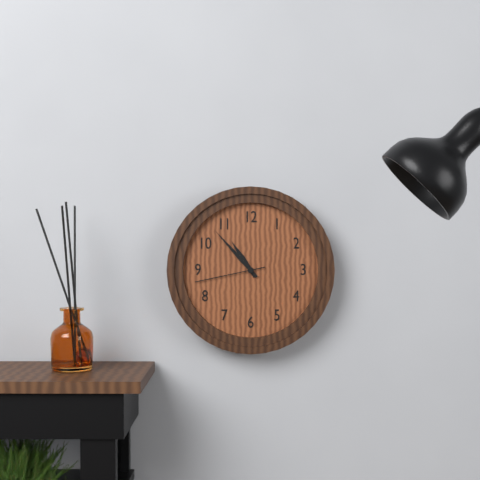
10:53:43
